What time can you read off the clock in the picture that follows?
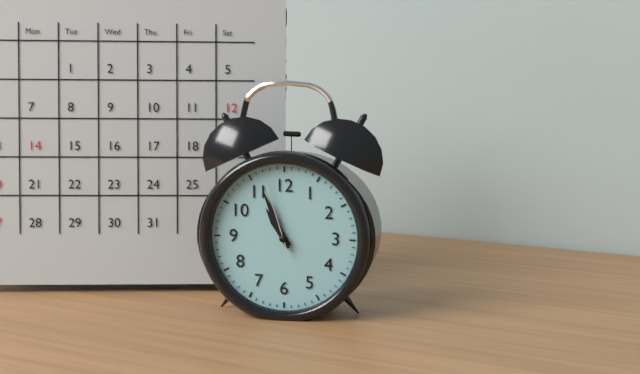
10:56:57
